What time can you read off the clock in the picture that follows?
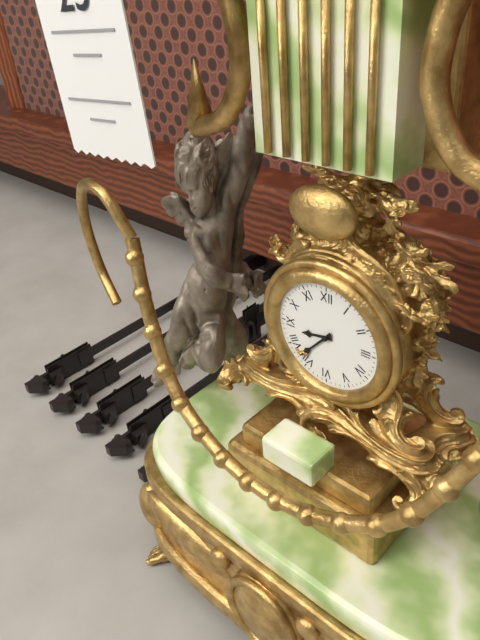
8:37
